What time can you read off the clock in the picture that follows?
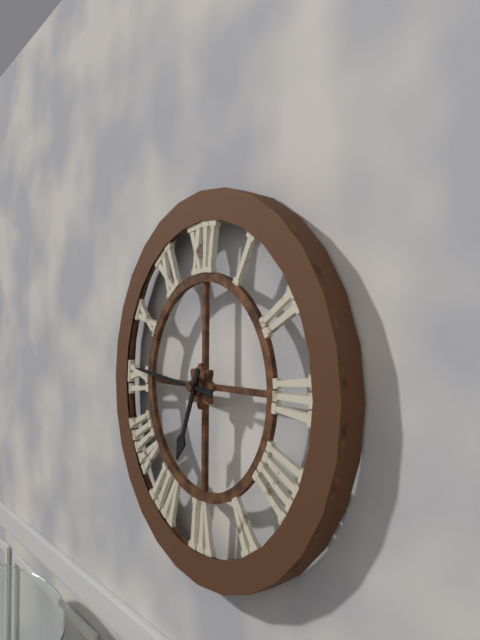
6:46
